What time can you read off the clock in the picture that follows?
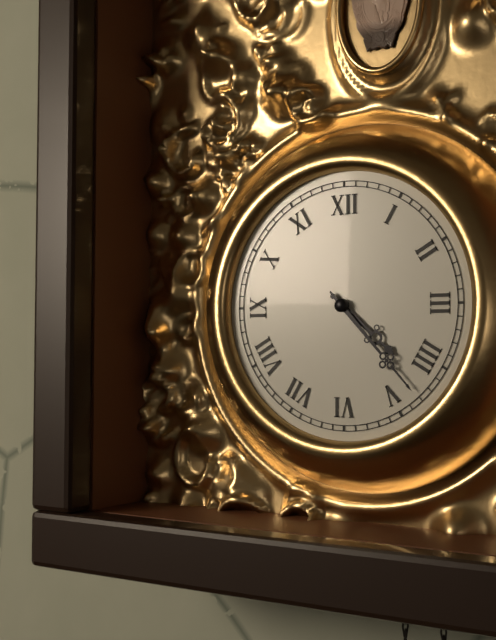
4:23
